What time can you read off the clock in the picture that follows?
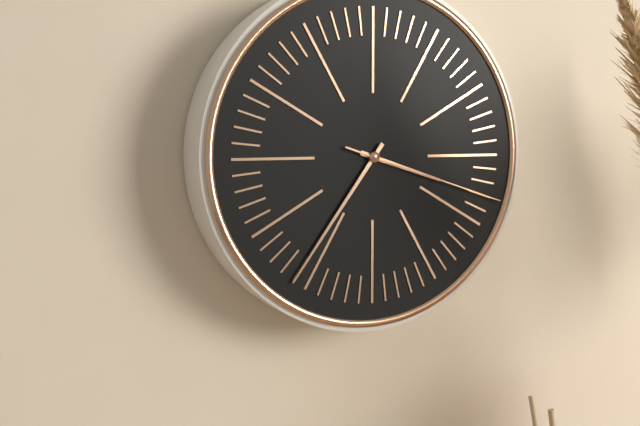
3:36:18
